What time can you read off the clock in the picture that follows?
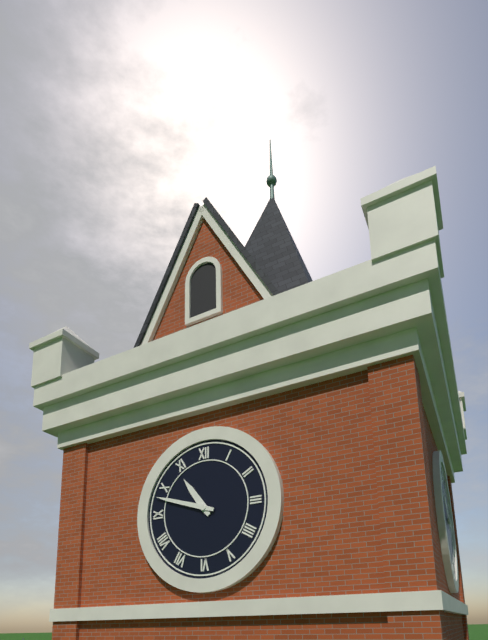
10:48
